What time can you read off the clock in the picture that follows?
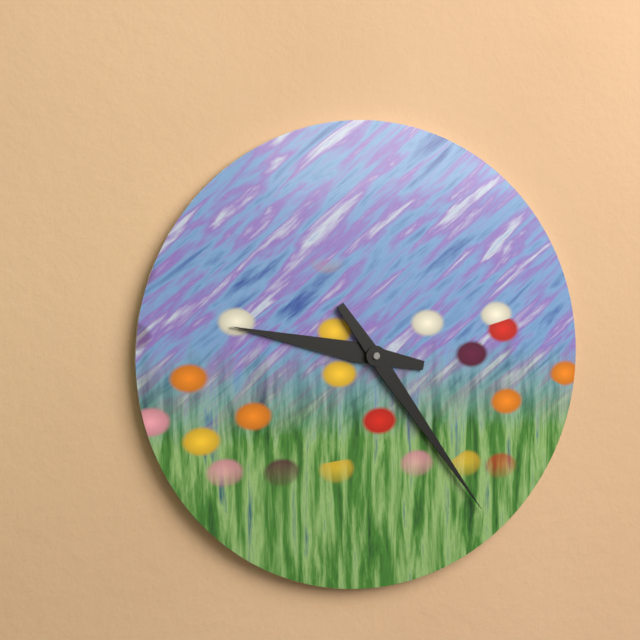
9:24
